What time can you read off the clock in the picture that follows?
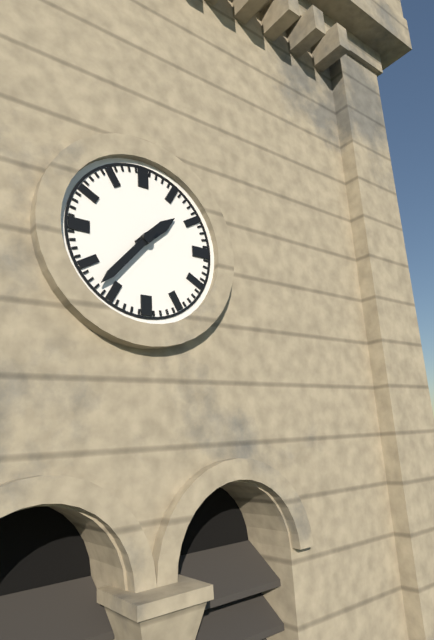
1:37
